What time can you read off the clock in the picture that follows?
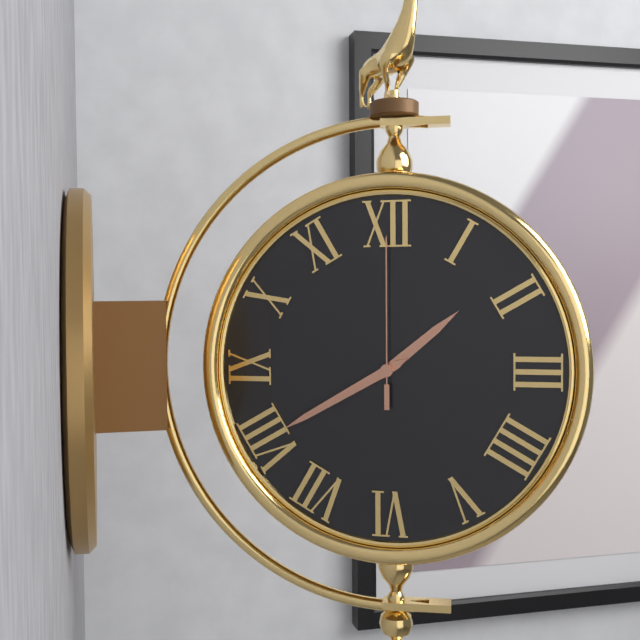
1:40:00
